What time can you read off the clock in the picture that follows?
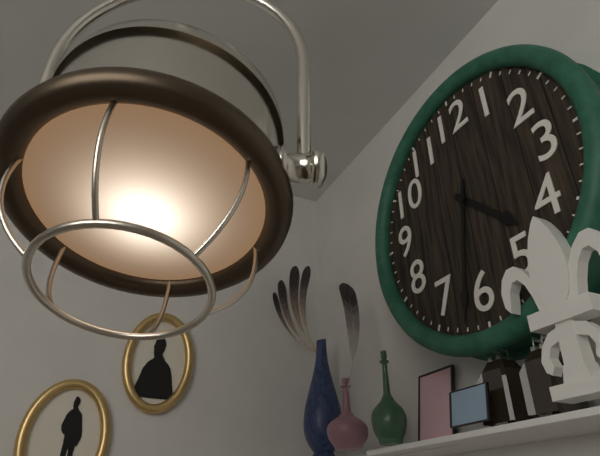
4:32
